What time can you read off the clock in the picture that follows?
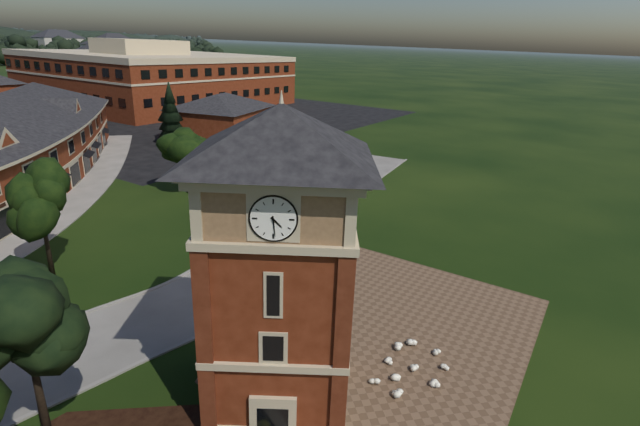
4:29
